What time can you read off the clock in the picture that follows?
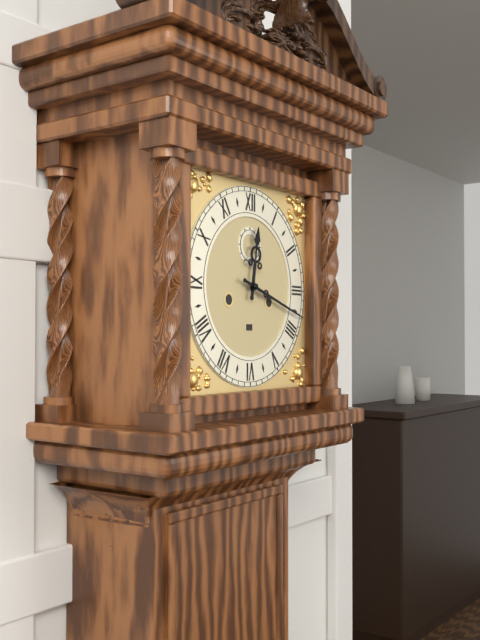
12:18
